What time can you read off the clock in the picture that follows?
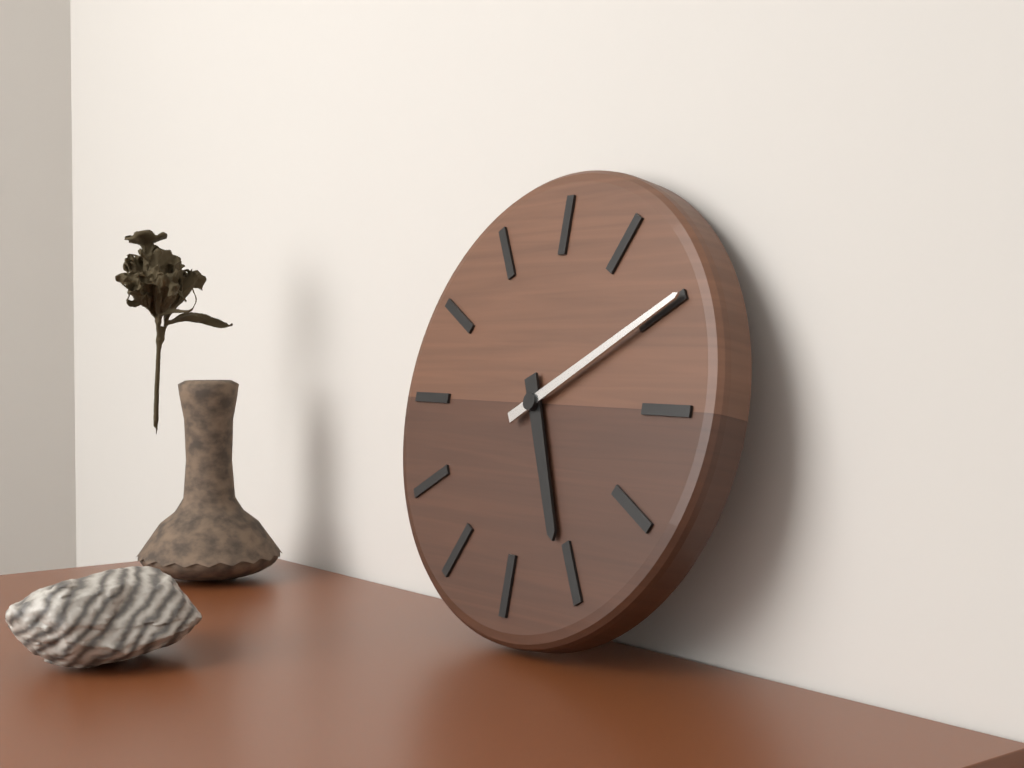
5:10
